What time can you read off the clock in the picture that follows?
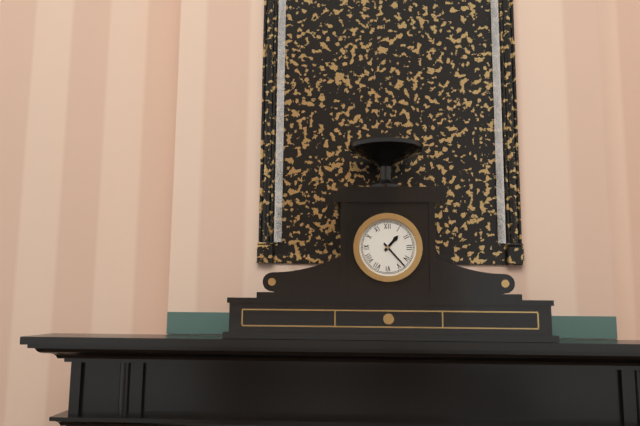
1:23
